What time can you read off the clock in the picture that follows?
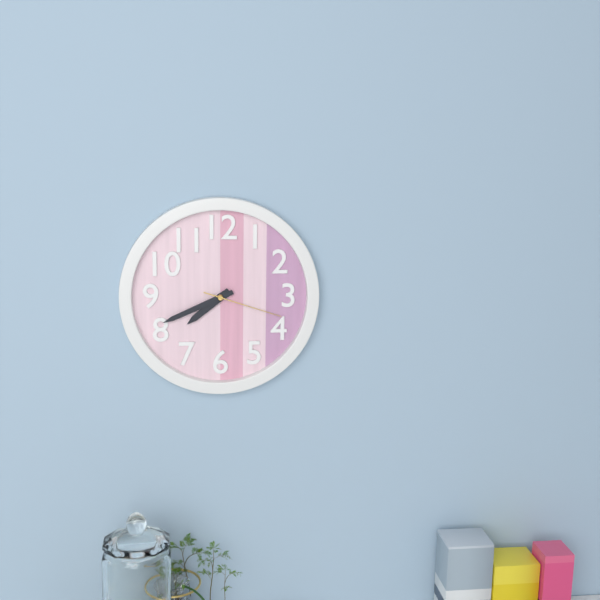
7:41:18
